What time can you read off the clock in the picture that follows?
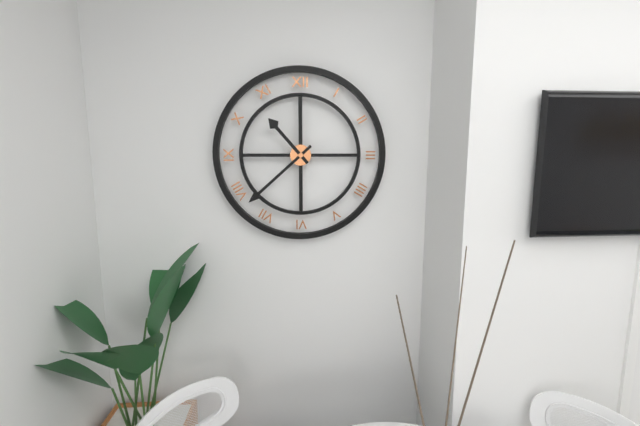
10:38
